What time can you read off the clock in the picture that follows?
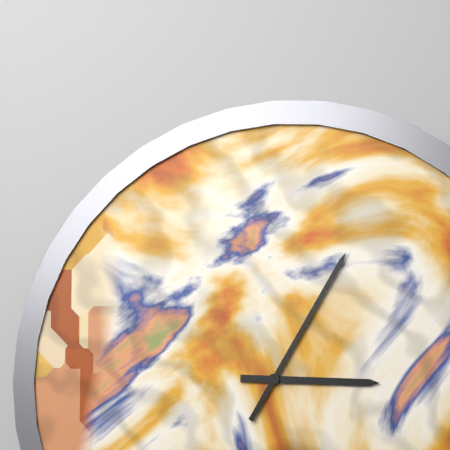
3:05
